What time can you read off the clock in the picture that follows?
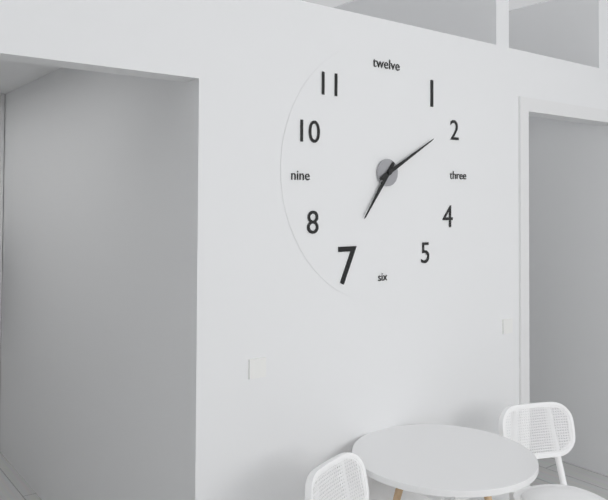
7:10
